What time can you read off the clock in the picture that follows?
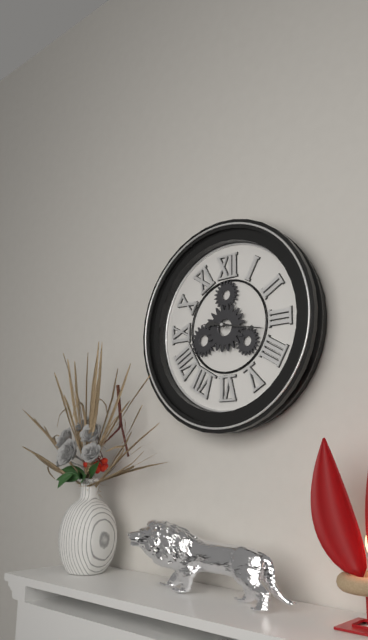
9:17
